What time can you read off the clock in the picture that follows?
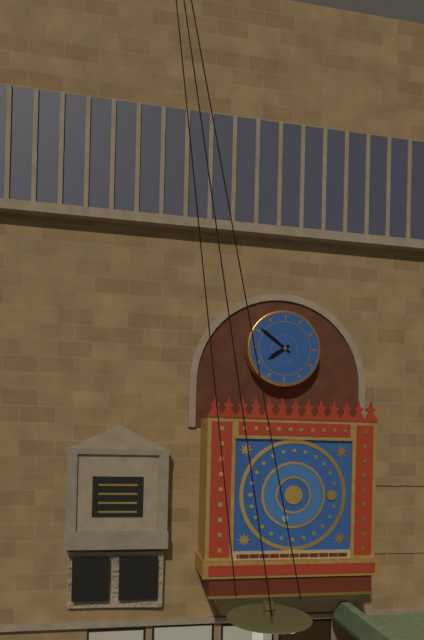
7:51
